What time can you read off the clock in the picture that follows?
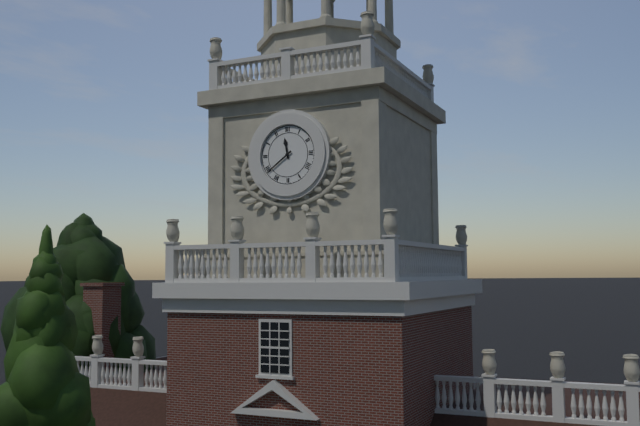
11:39
